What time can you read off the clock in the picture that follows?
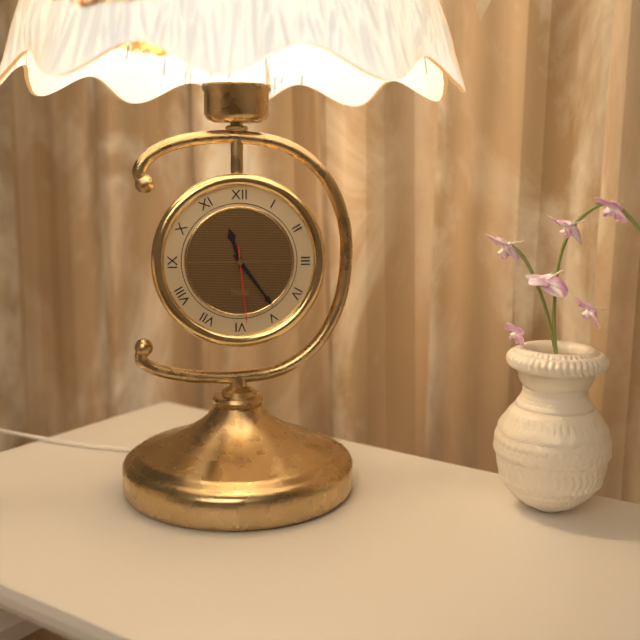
11:24:29
